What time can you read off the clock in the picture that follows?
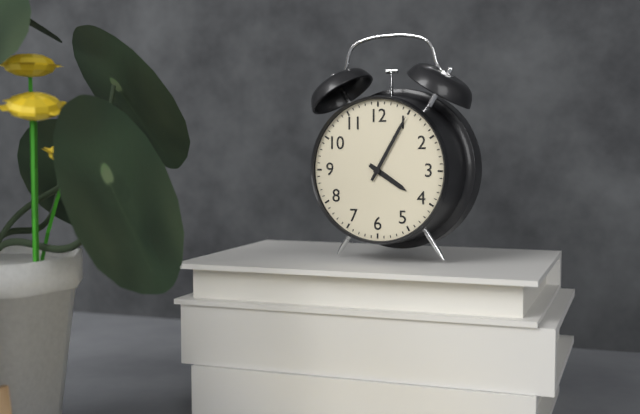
4:05
